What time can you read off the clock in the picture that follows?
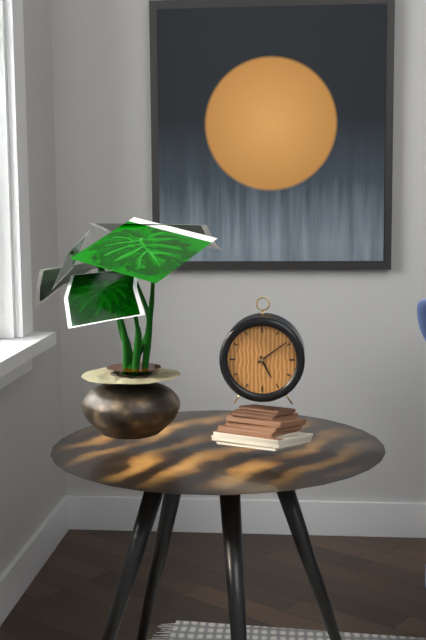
5:09
